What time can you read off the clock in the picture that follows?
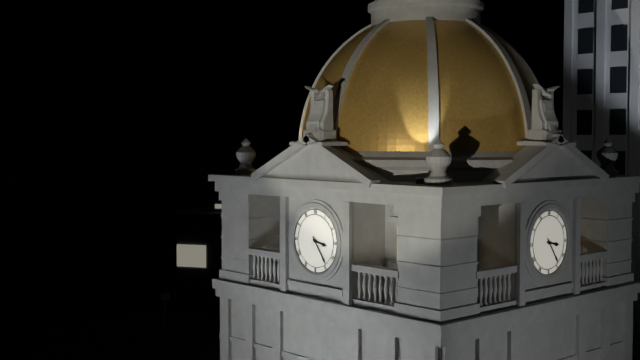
3:24
